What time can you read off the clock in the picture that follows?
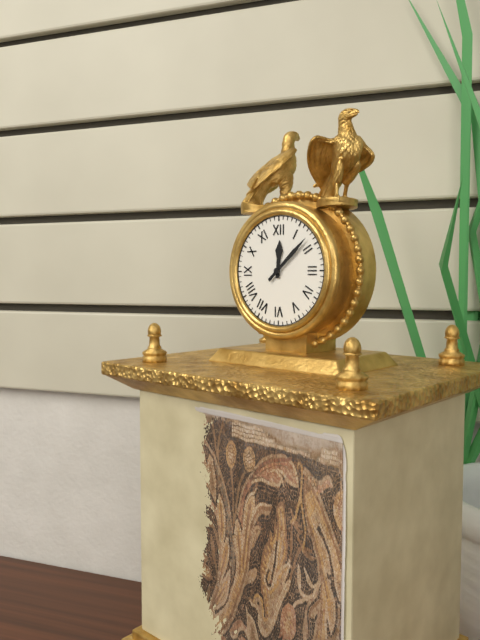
12:08
